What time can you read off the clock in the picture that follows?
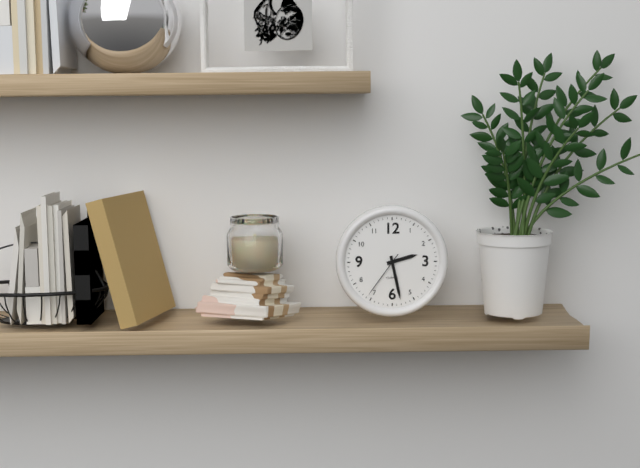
2:28:36
